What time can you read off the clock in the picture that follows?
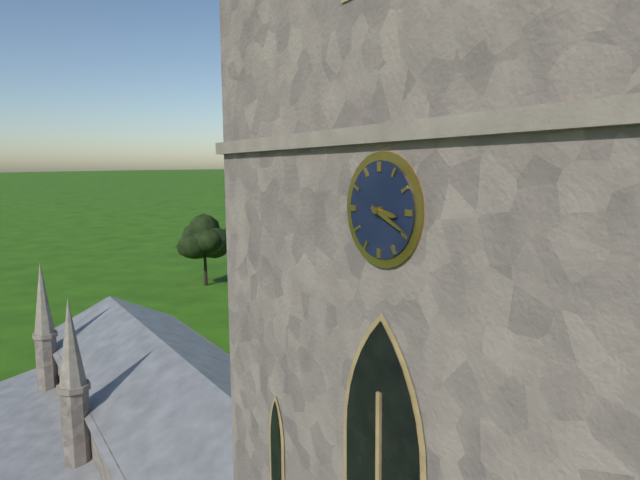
3:19
